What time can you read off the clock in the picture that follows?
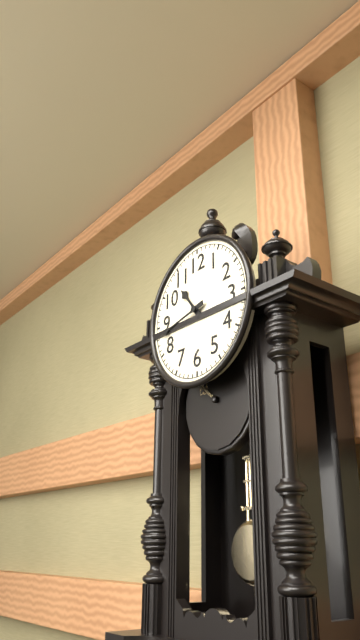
10:43
